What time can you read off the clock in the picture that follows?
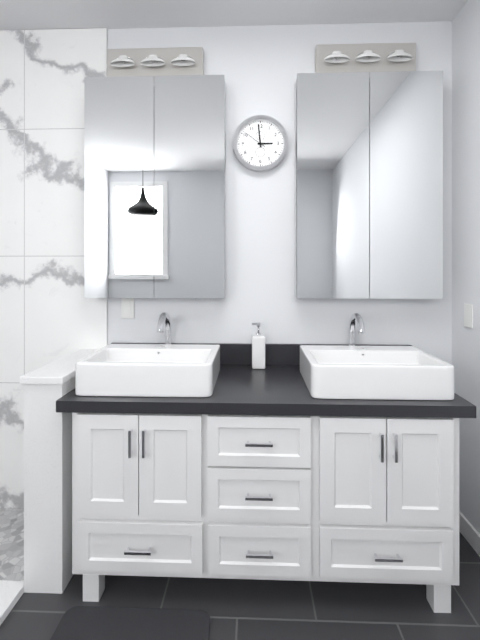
2:59
